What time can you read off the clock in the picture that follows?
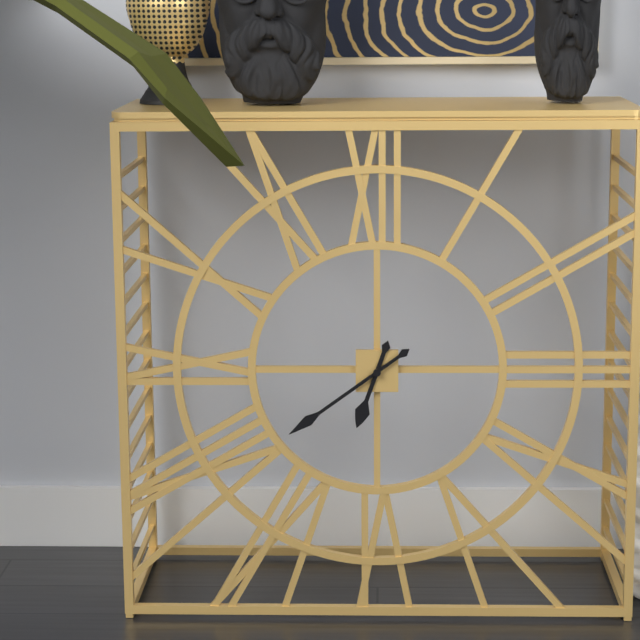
6:39
